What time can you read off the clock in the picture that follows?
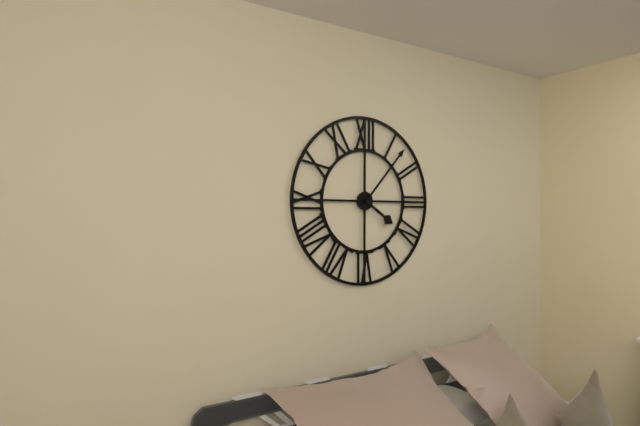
4:07
